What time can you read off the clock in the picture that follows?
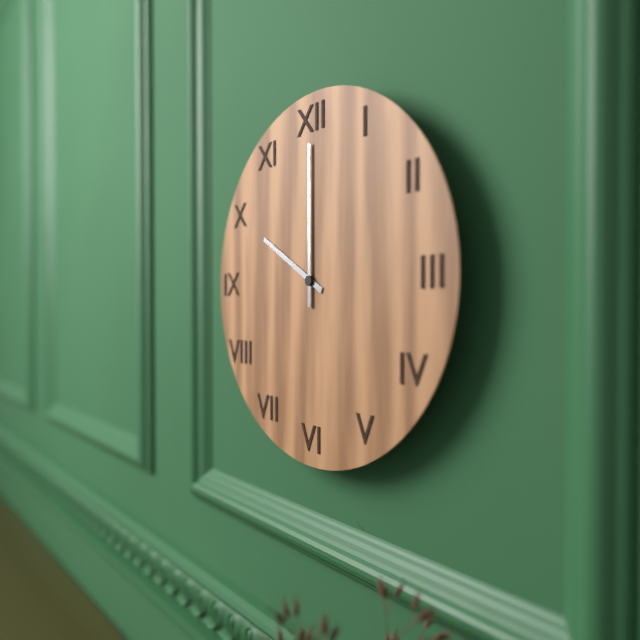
10:00
